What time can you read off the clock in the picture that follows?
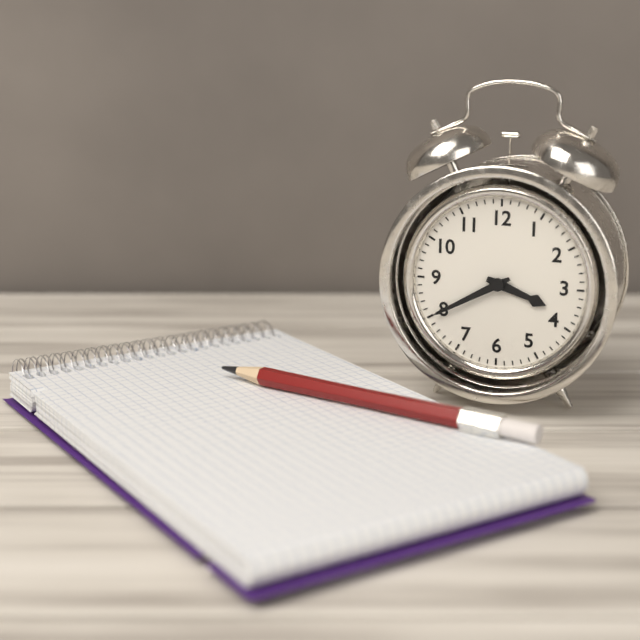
3:40
